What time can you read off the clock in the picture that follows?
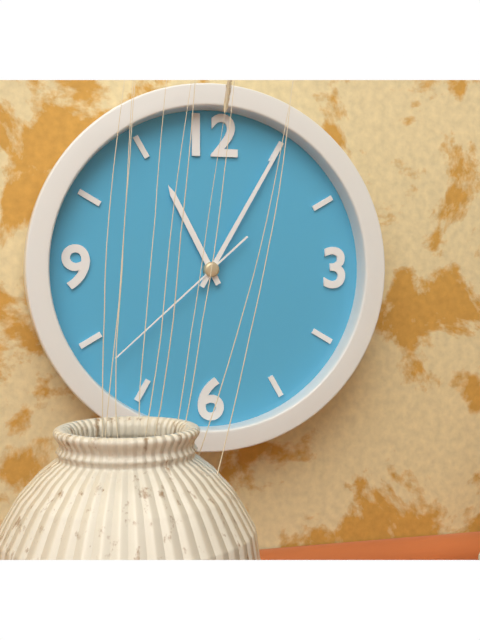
11:05:38
